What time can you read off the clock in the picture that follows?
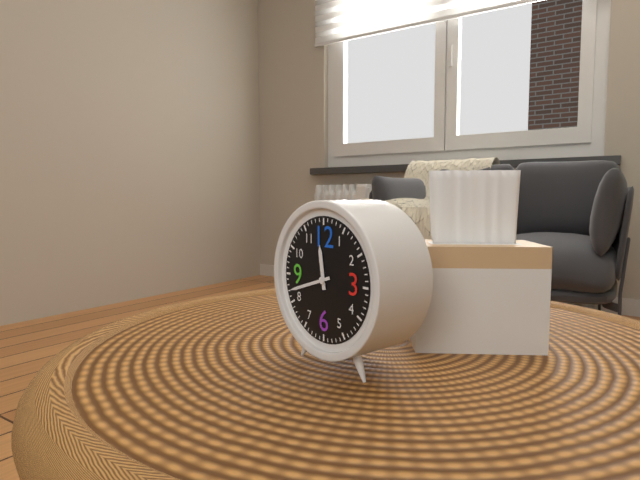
11:42
